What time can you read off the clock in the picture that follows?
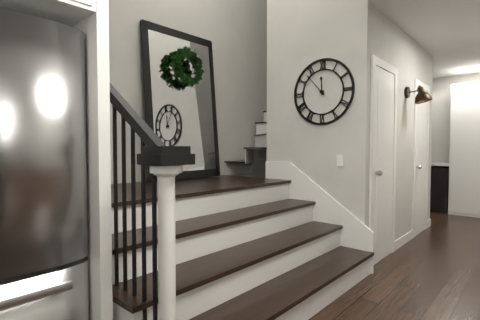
11:53
